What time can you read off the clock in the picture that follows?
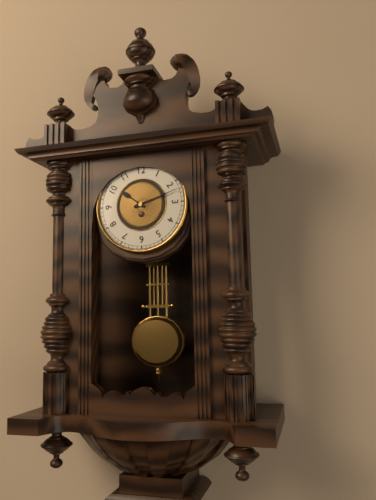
10:12
